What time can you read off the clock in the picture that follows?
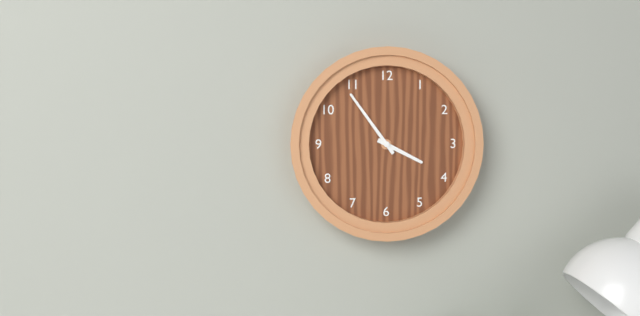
3:54
